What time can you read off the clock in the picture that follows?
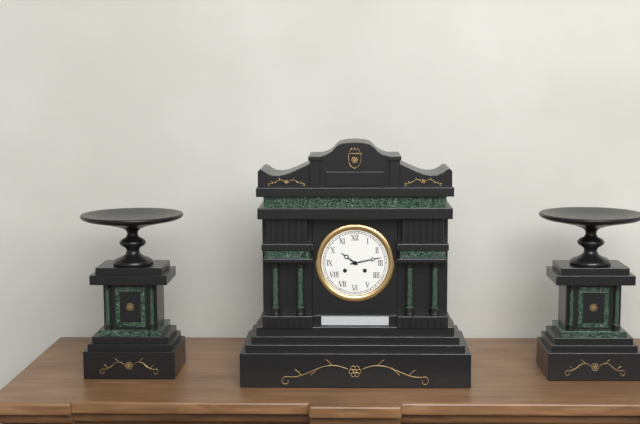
10:13
